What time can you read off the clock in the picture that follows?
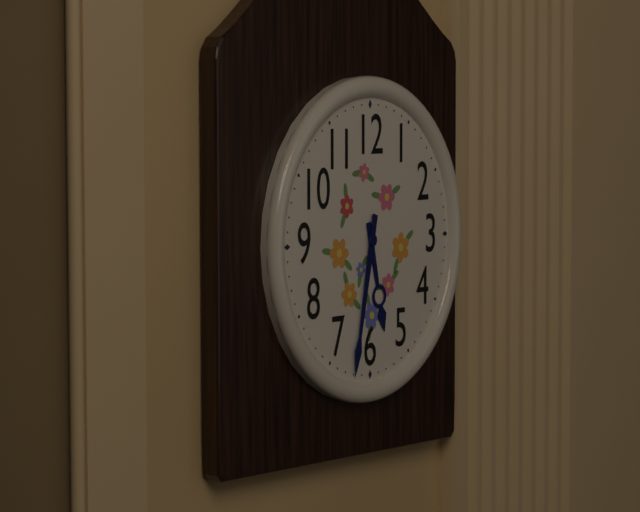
5:32
